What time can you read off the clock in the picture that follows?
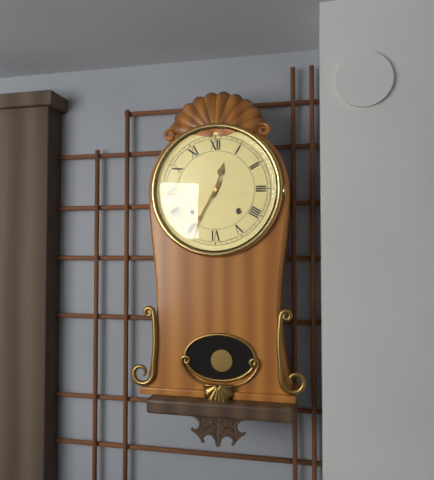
12:35
